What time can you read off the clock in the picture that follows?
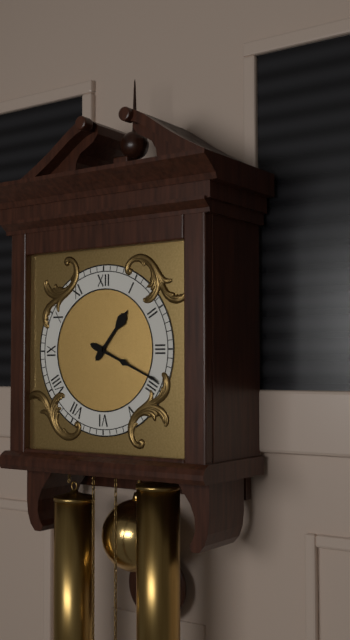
1:19
